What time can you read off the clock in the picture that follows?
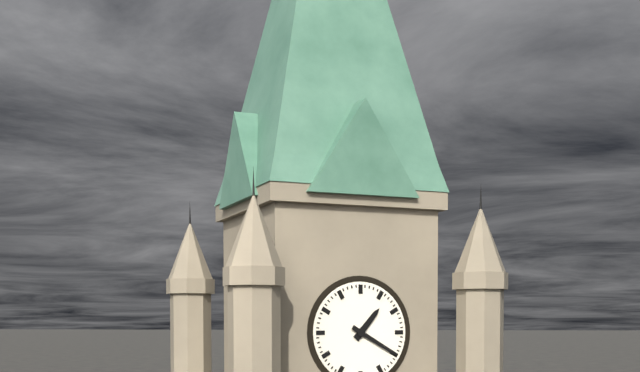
1:20
